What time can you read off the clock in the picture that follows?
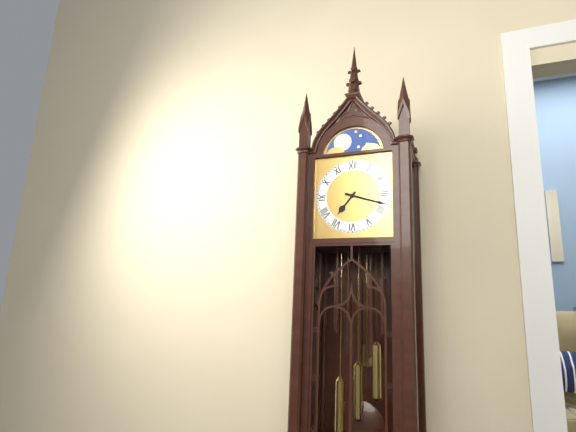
7:18
